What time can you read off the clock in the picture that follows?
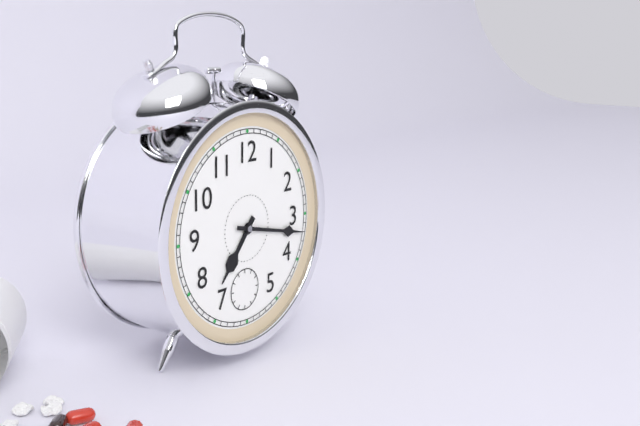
7:17
